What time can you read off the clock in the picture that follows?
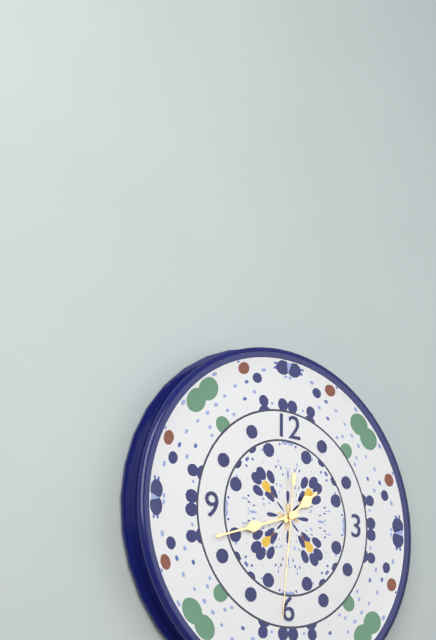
1:42:31
